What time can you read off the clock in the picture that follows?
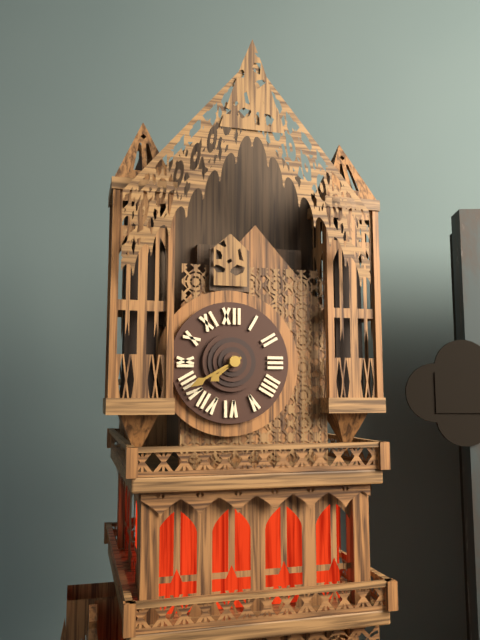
7:40
